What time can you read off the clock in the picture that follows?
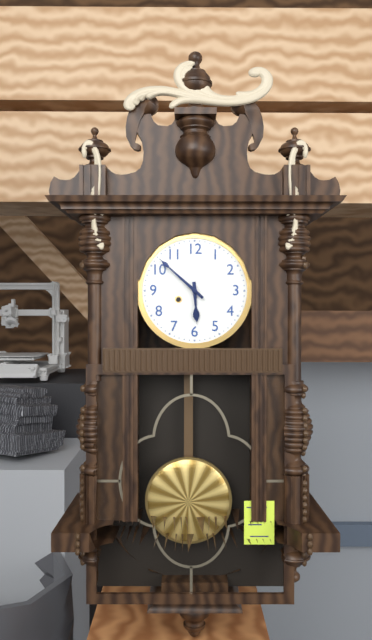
5:52
